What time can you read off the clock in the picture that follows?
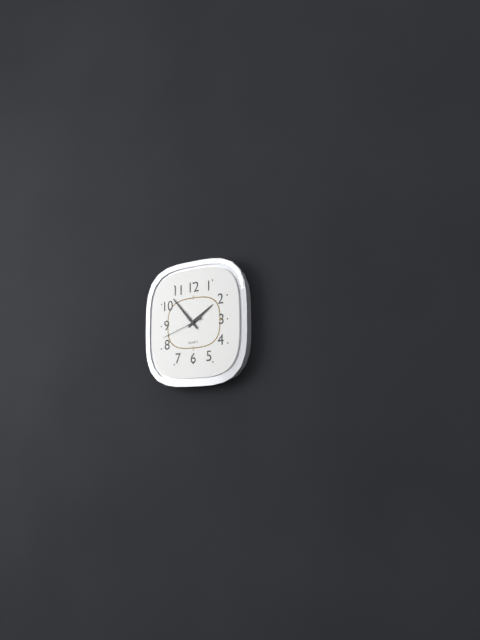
1:53
